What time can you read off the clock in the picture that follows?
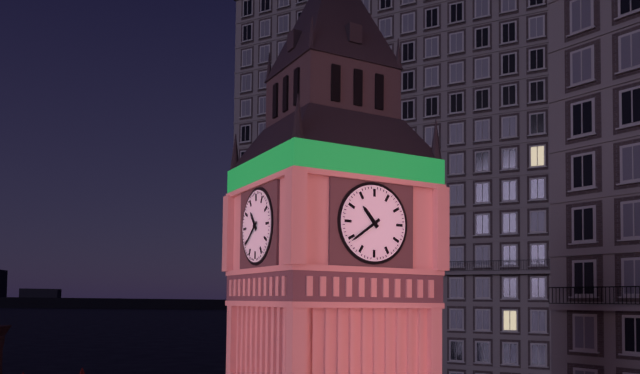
10:39
